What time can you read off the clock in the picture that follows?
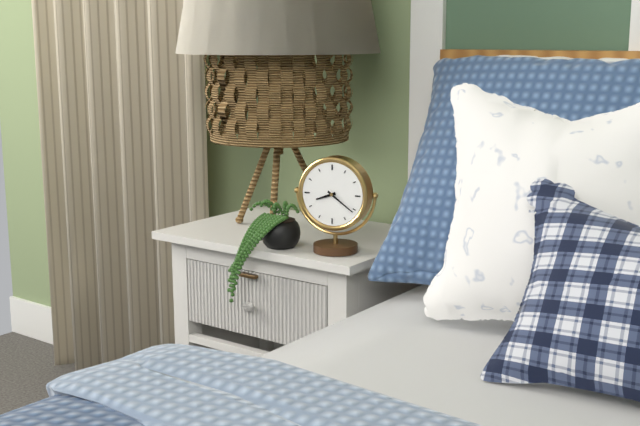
8:21
